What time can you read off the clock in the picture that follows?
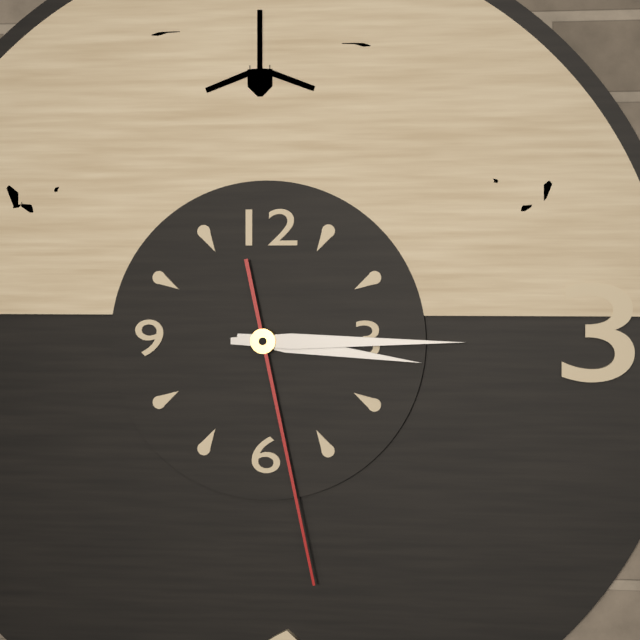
3:15:28
